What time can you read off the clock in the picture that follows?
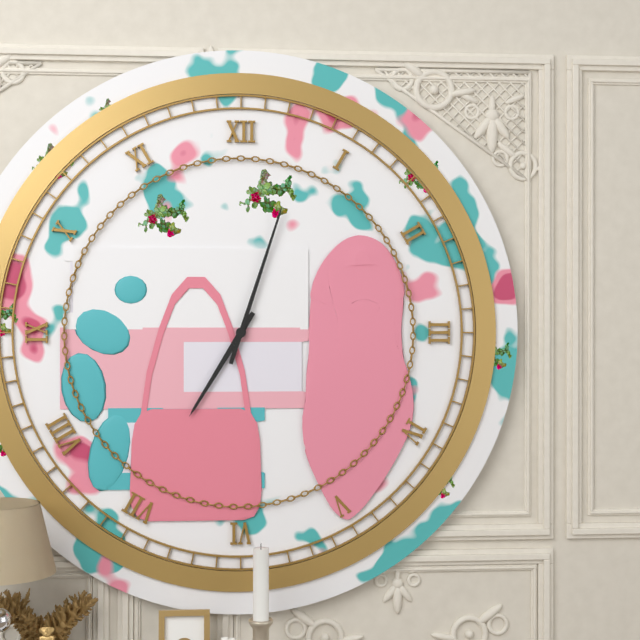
7:03
